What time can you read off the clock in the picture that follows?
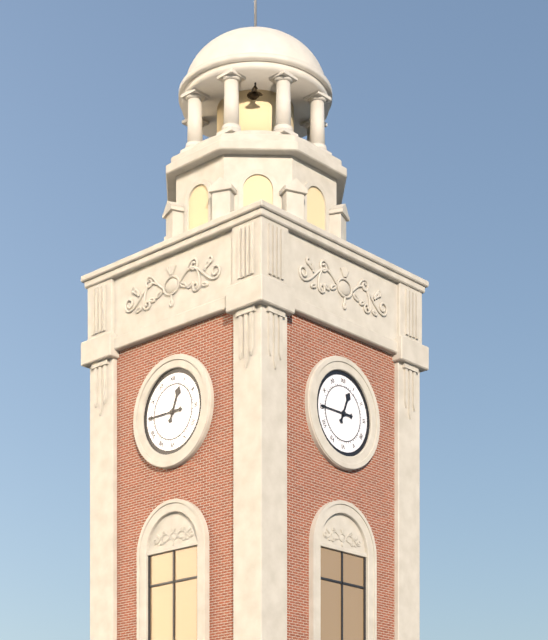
12:45
